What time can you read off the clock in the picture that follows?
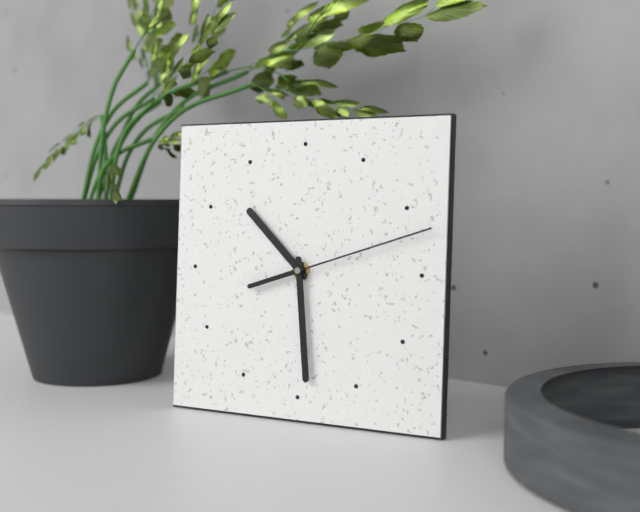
10:29:12
